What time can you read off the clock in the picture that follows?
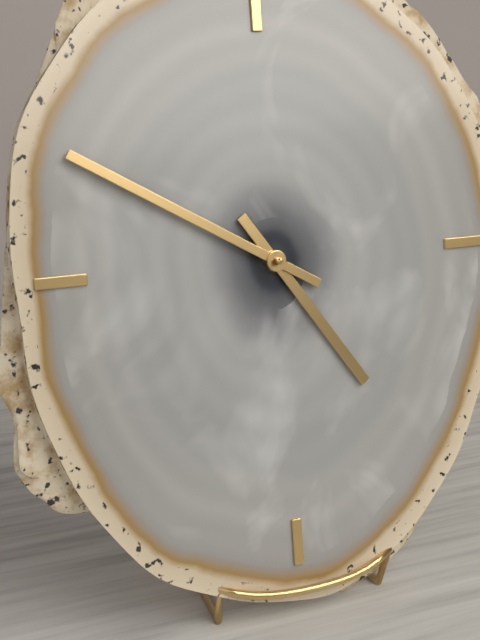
4:50
